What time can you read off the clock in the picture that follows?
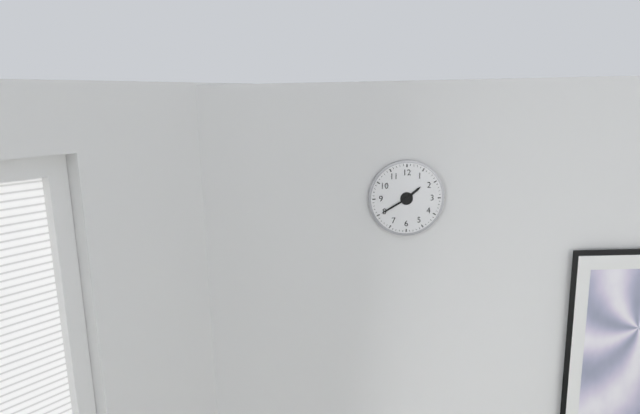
1:40
